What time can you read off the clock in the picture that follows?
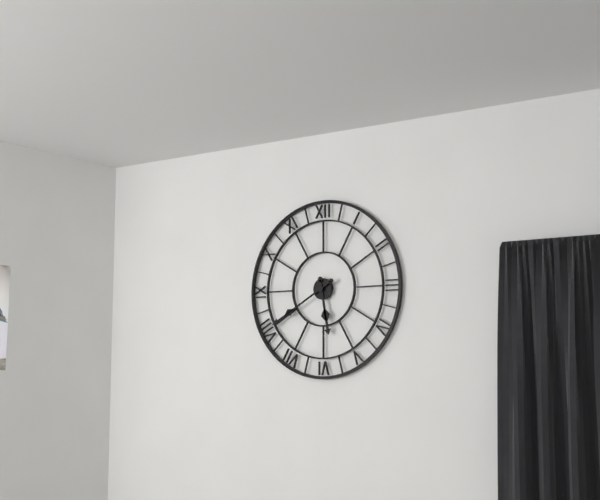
5:40
